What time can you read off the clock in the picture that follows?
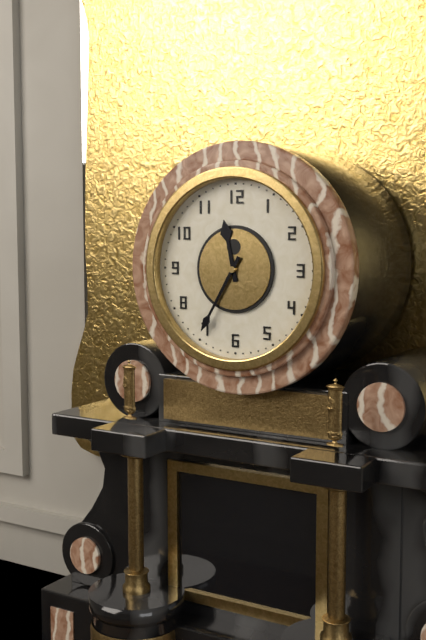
11:35
